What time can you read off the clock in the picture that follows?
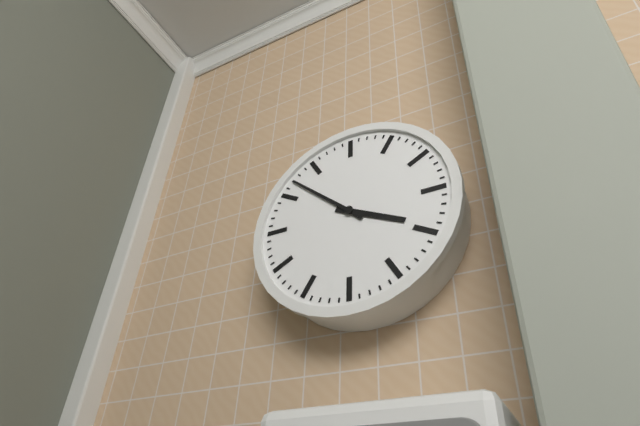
3:52
